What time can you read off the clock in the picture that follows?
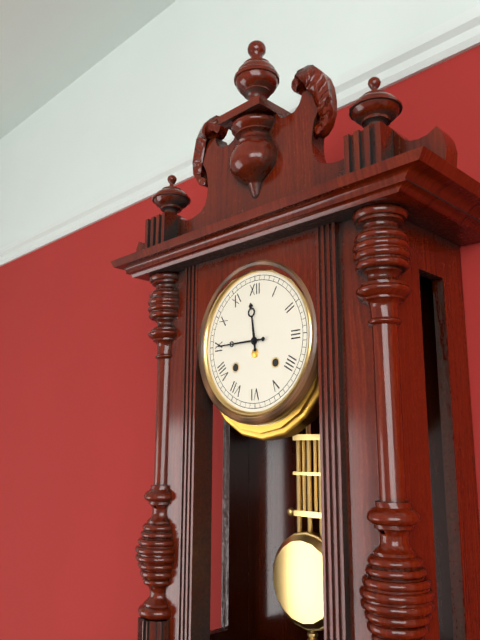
11:45
